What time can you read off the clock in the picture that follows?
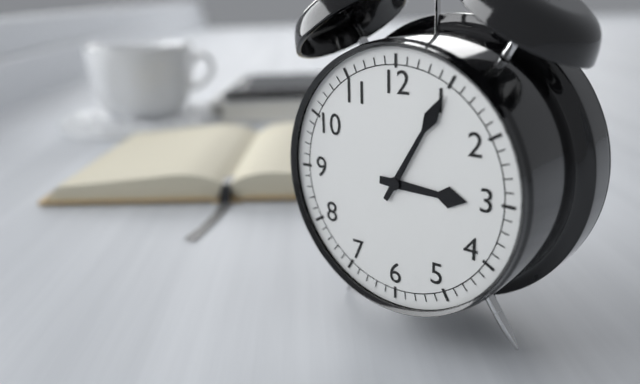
3:05
